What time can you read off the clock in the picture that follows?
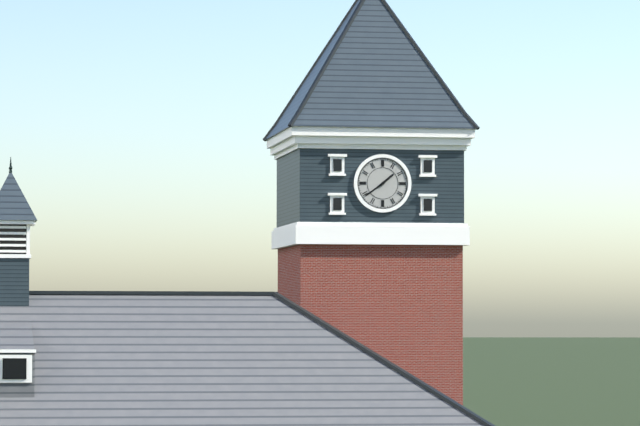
1:39
